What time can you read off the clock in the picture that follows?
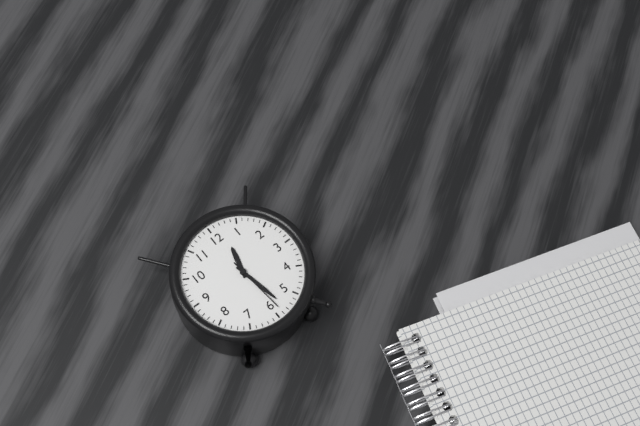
12:28:29
